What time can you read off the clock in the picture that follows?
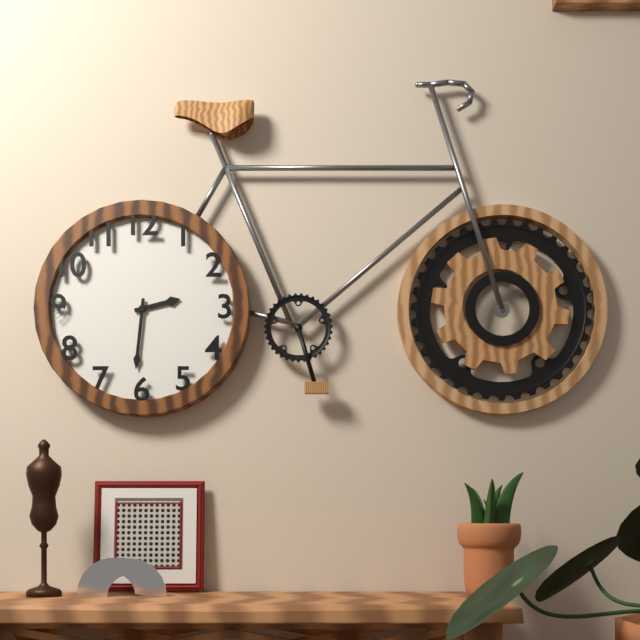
2:31
